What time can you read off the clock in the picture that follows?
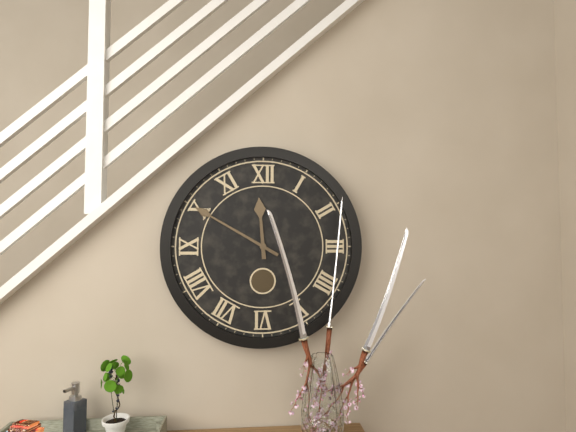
11:50
